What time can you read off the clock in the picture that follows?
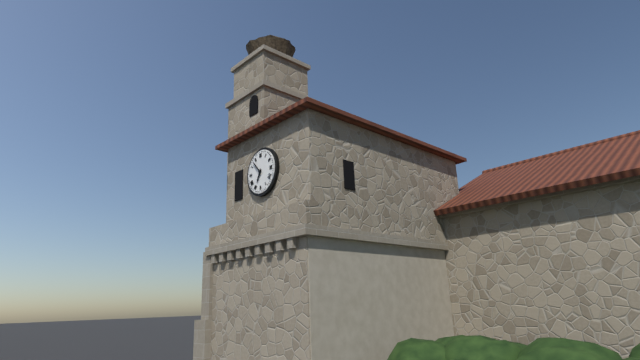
6:53
